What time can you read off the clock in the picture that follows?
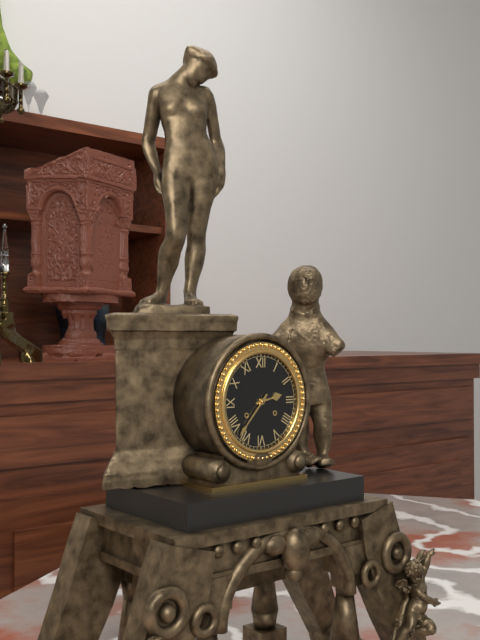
2:37
